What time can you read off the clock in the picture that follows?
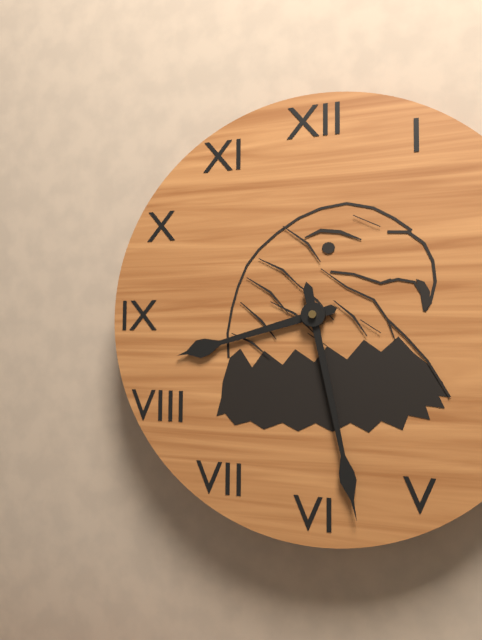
8:28
